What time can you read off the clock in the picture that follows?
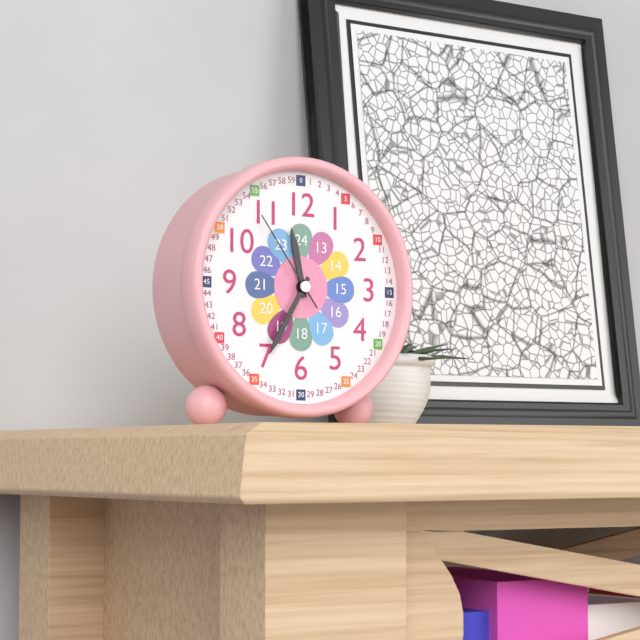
11:35:54
